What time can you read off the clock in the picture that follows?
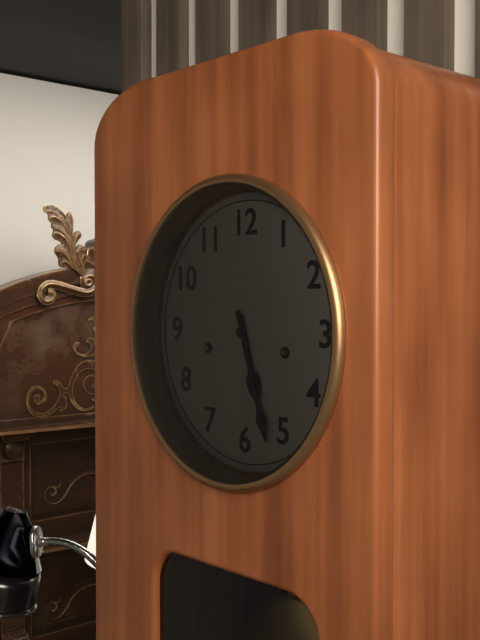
5:27
